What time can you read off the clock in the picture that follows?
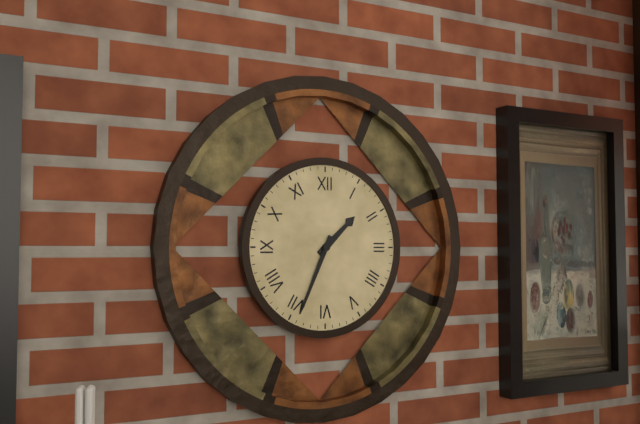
1:34
